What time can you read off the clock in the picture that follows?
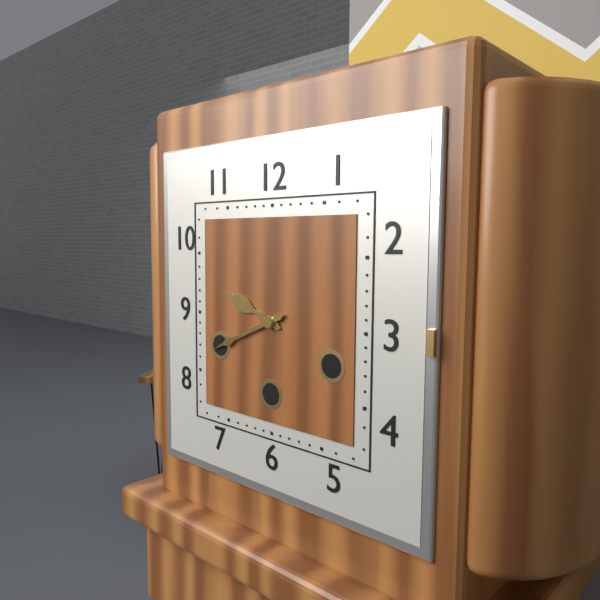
9:41
